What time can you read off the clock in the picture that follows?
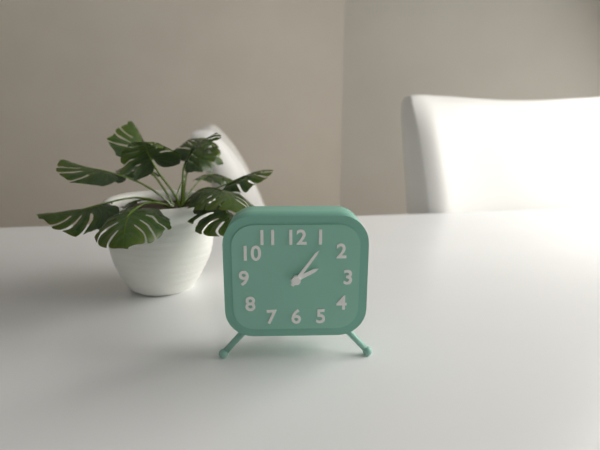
2:06
